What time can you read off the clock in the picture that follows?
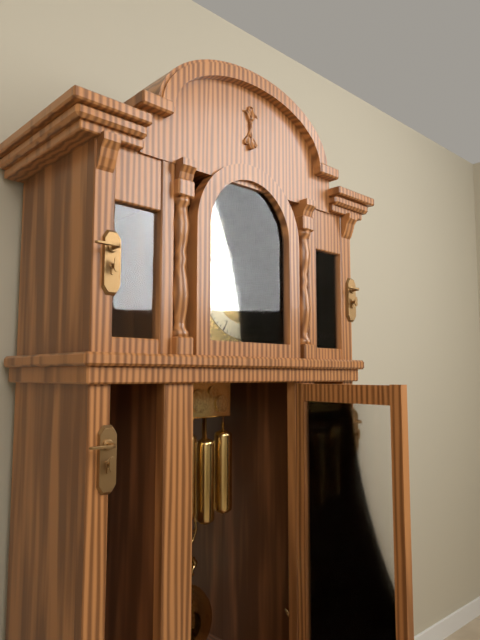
4:22
